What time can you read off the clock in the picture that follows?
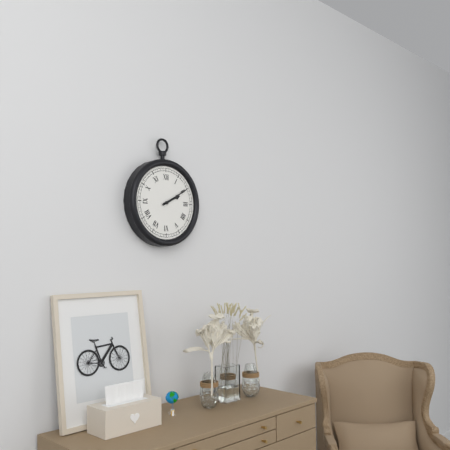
2:10
